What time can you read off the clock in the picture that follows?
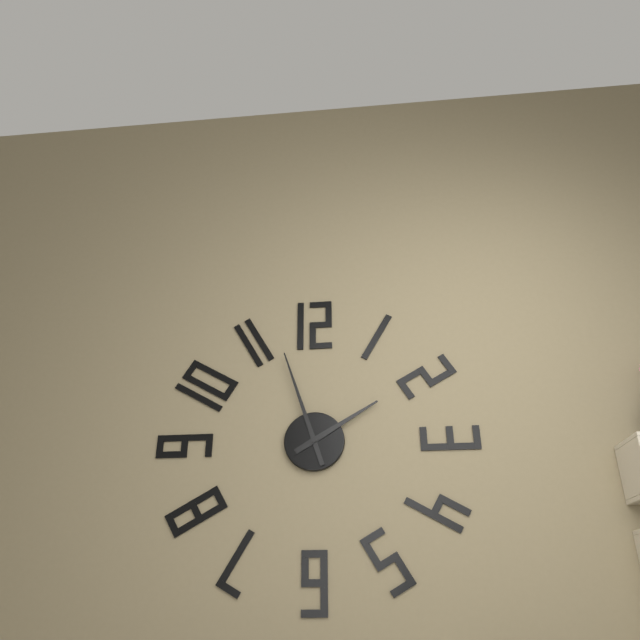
1:57
